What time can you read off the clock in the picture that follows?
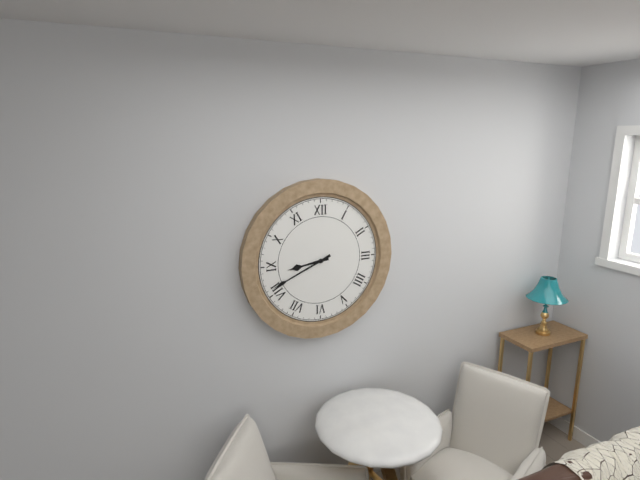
8:41
